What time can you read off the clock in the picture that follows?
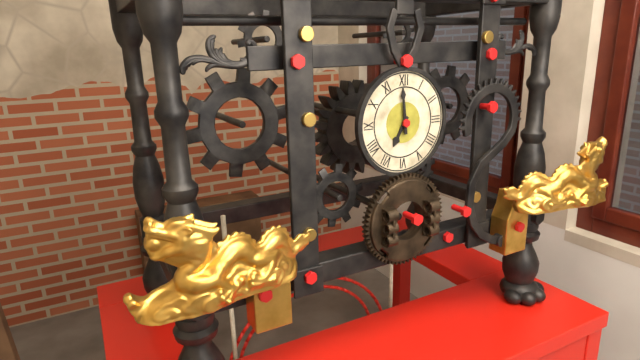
6:59
